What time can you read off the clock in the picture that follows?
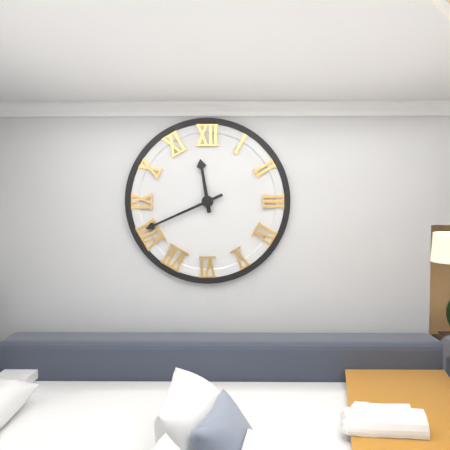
11:41
